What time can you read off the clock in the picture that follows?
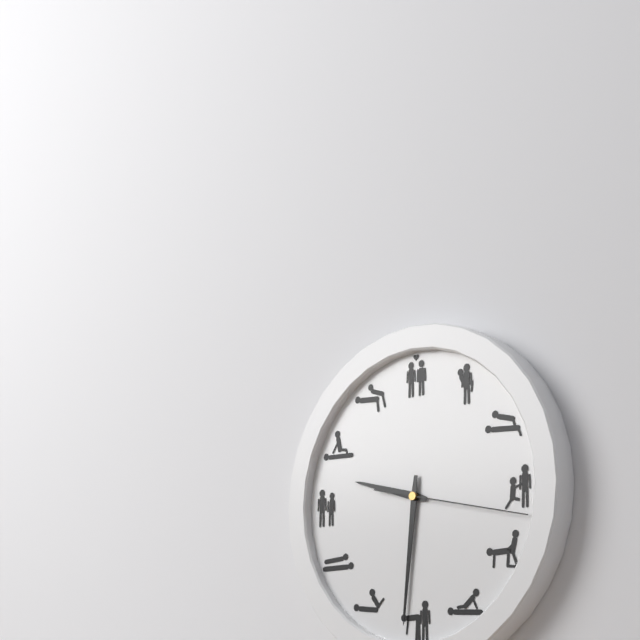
9:31:17
